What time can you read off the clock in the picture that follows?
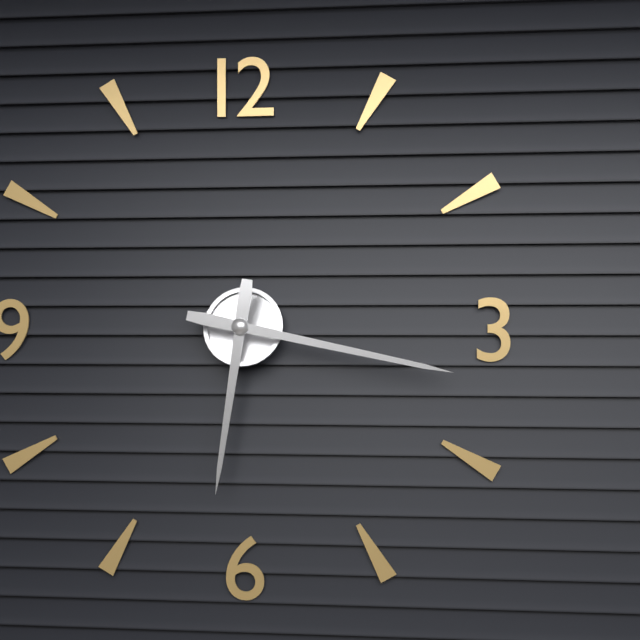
6:17
